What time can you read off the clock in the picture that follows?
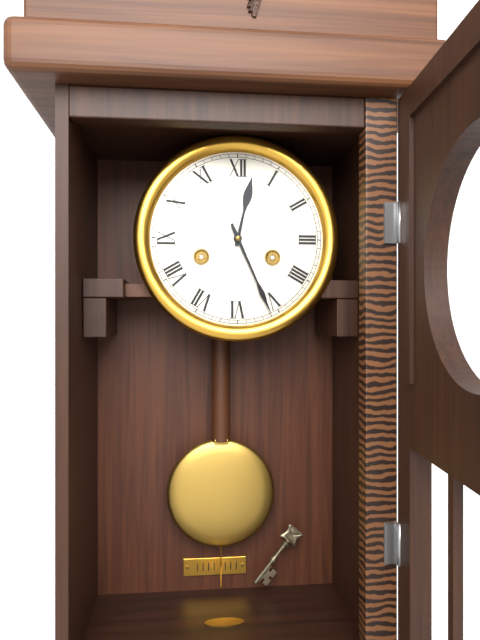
12:26
